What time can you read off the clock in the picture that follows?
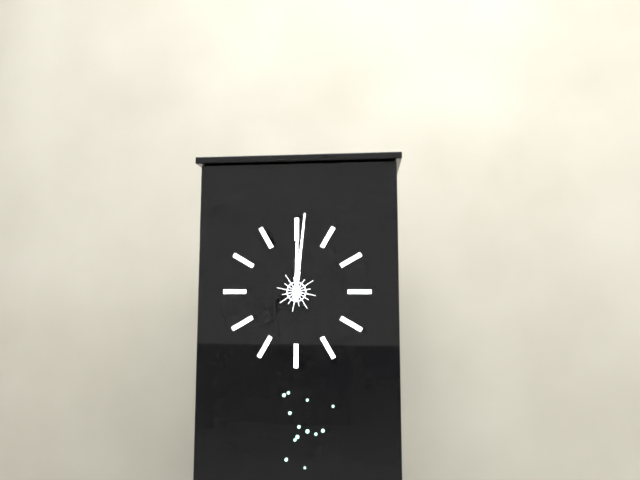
12:01
